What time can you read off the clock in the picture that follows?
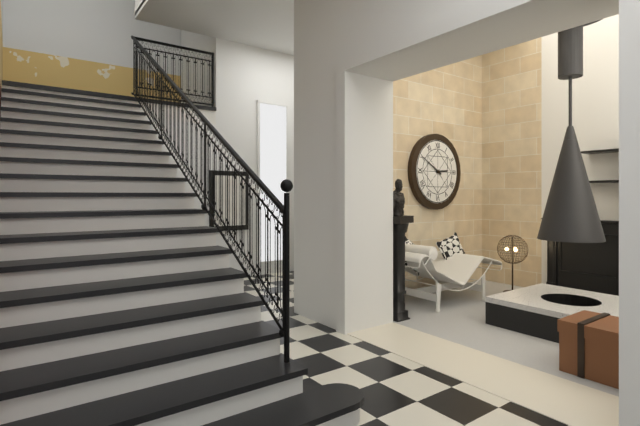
2:50
